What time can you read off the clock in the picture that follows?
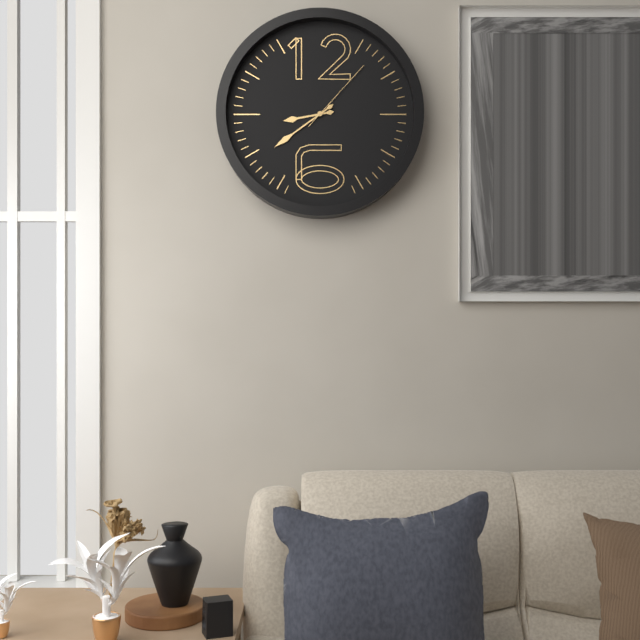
8:39:07
